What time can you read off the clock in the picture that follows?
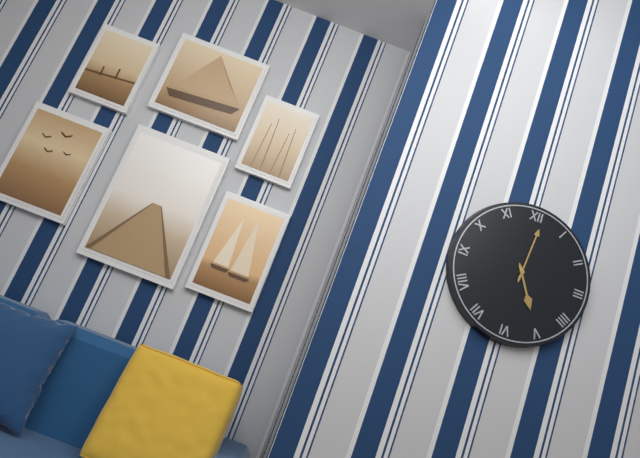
5:01
